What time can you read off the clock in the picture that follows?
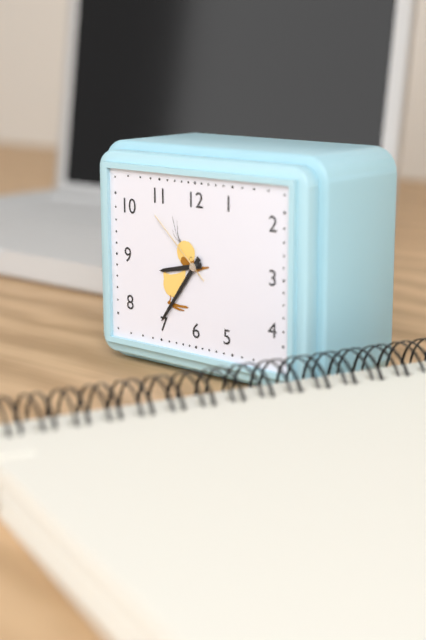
8:36:52
